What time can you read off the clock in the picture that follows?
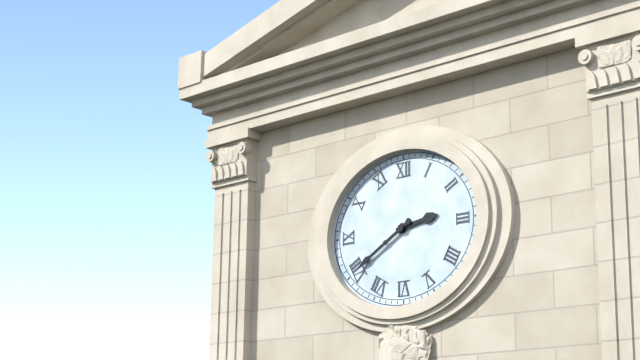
2:40
